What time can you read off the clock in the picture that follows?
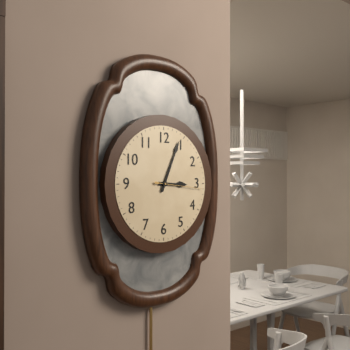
3:04
